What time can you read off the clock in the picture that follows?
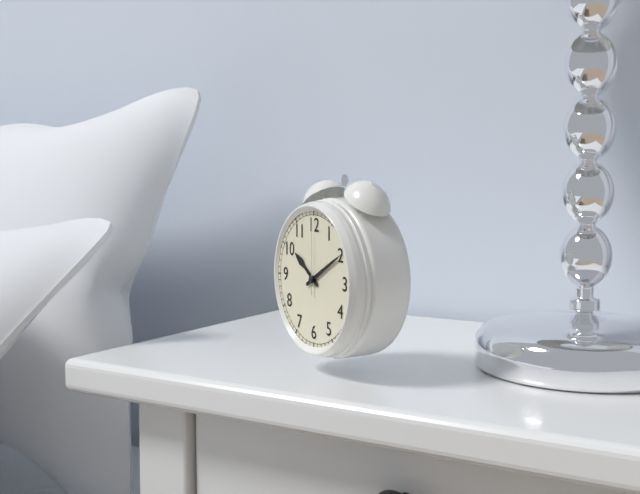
10:10:00
